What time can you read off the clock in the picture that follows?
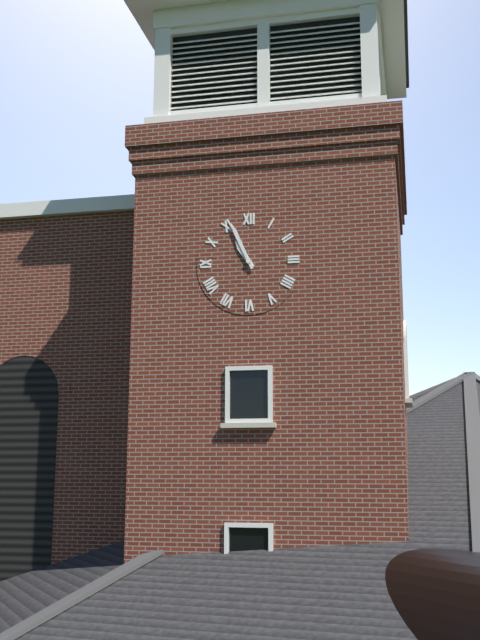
10:56
